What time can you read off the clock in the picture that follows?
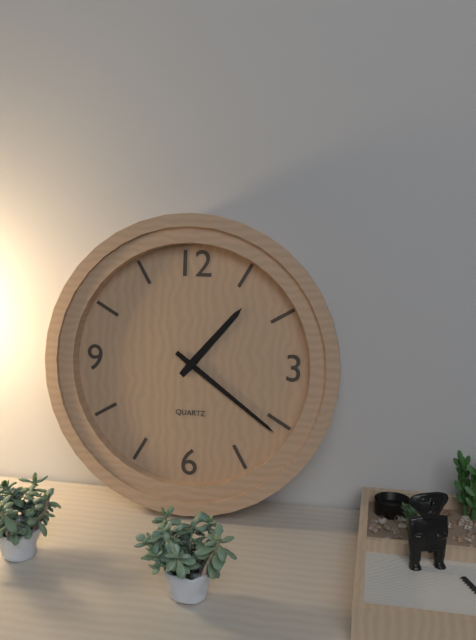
1:21
